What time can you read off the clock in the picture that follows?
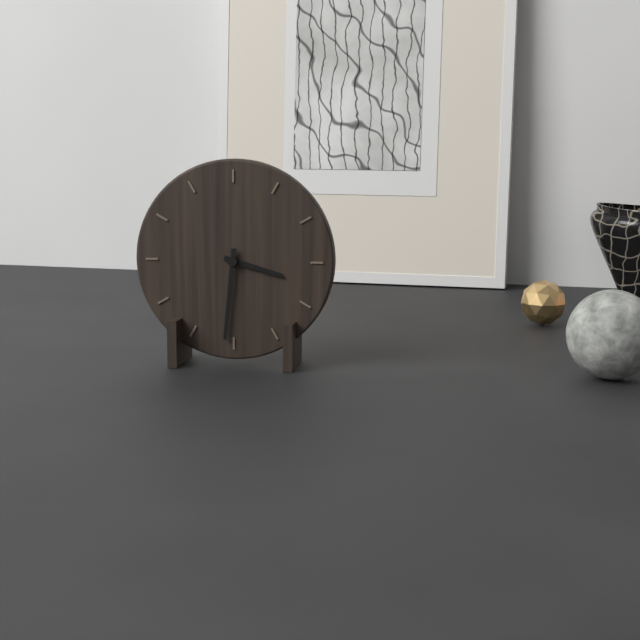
3:31
